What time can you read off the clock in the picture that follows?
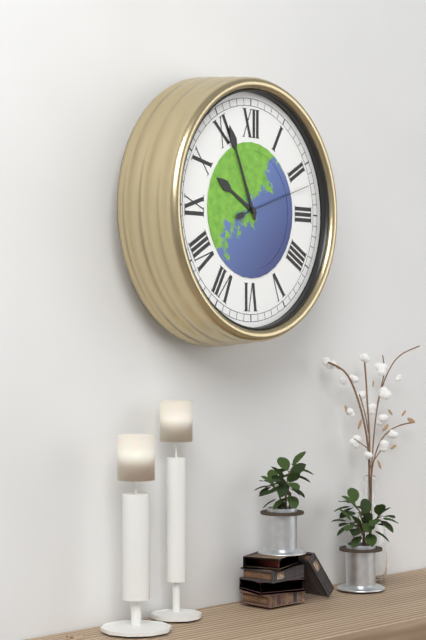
9:56:12
